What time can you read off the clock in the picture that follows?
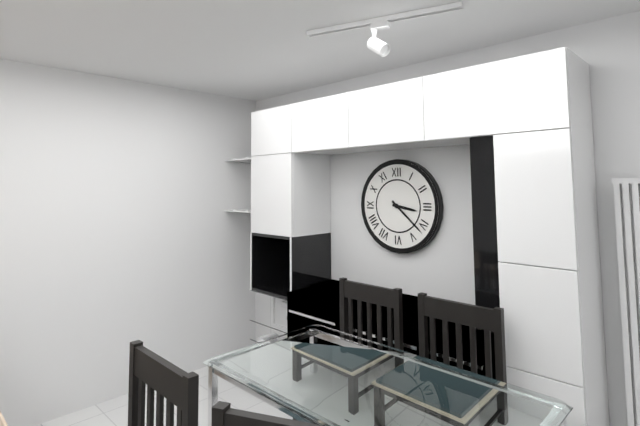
3:22
